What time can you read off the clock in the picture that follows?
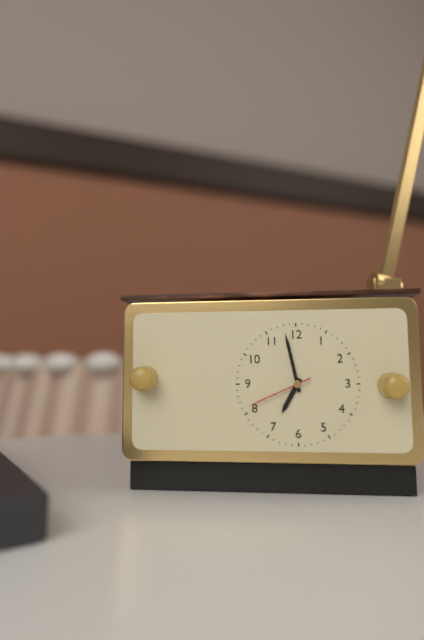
6:58:41
